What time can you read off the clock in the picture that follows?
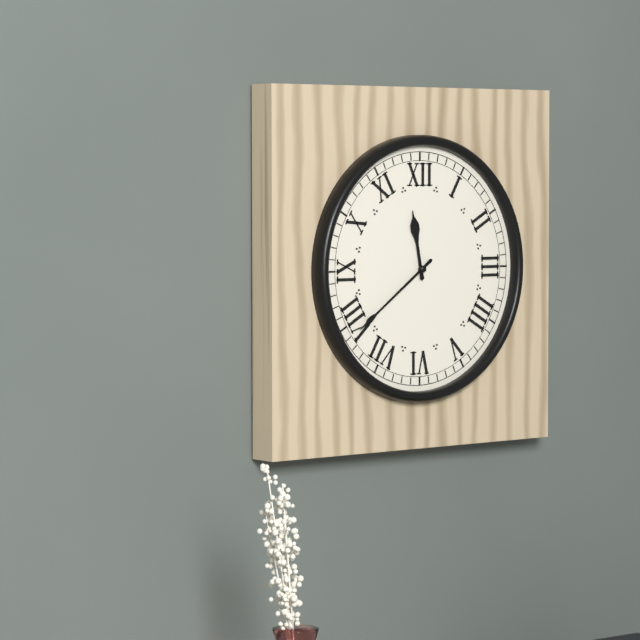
11:39
